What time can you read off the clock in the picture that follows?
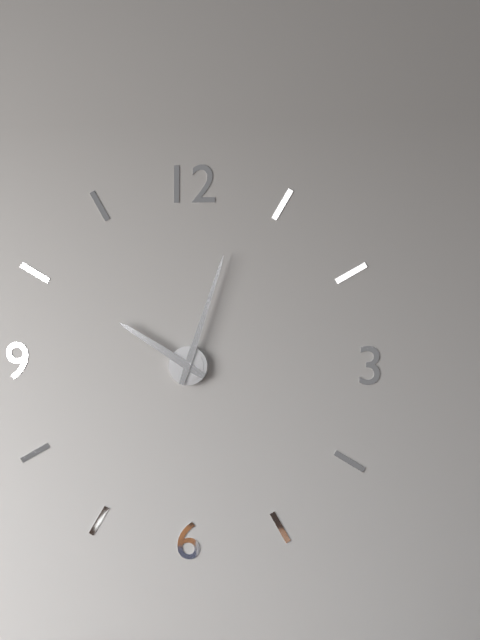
10:03
